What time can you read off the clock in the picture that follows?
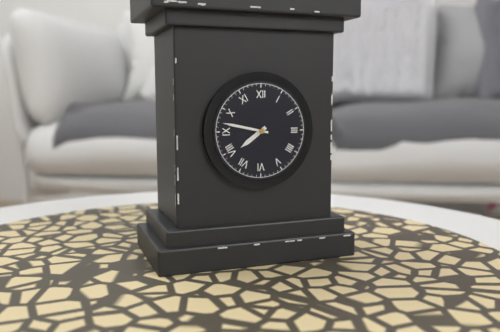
7:47
